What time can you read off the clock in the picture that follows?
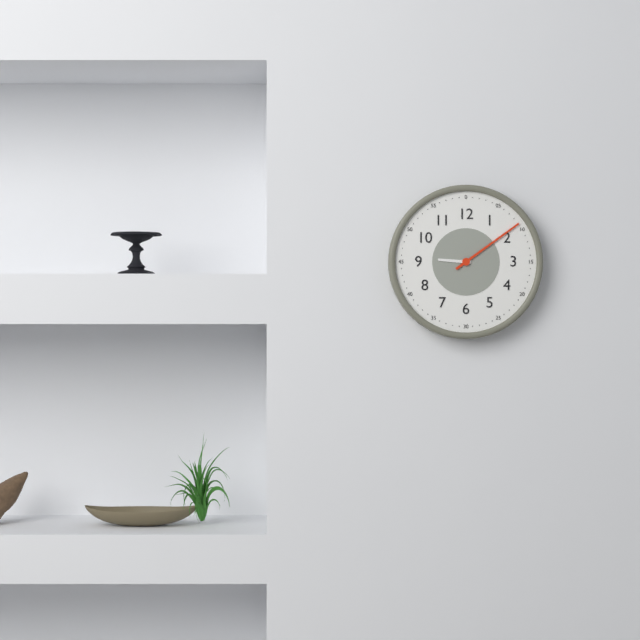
9:09
